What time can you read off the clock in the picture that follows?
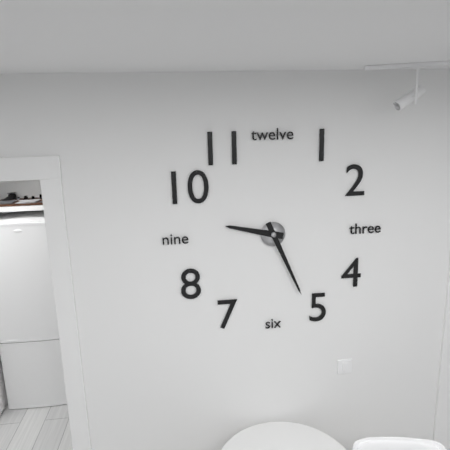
9:26
